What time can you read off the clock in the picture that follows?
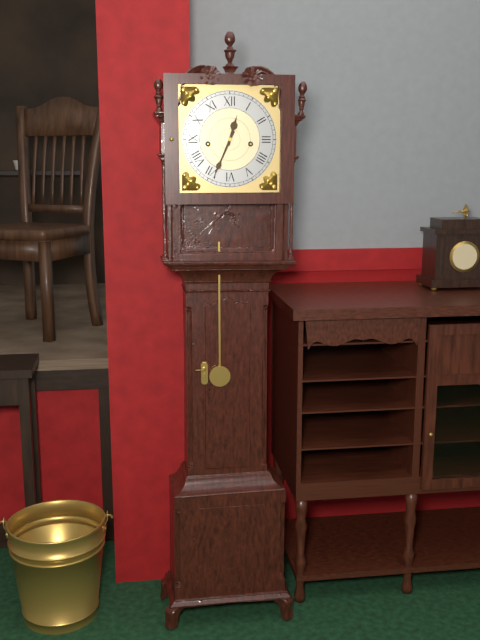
12:34
